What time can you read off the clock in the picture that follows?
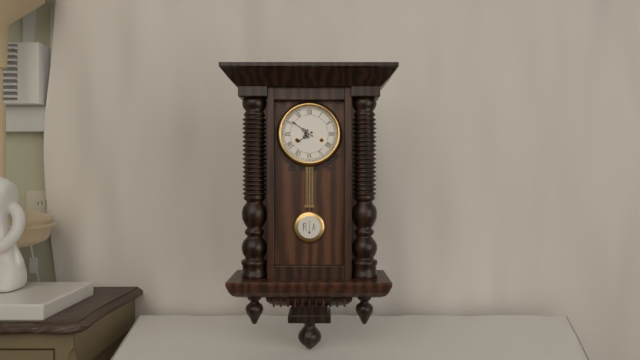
7:51
